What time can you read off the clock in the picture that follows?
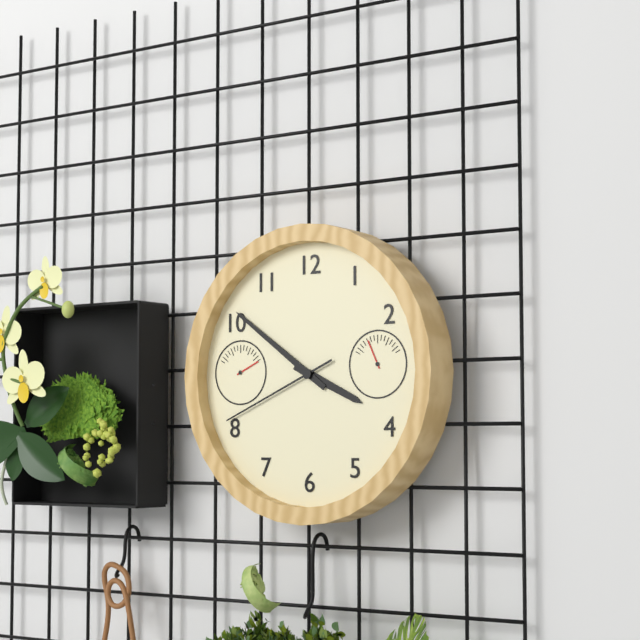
3:51:41
